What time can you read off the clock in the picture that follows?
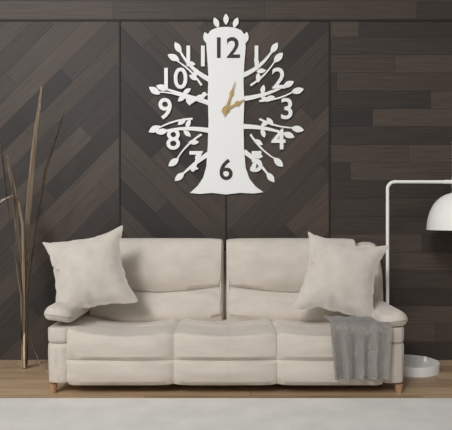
2:03
